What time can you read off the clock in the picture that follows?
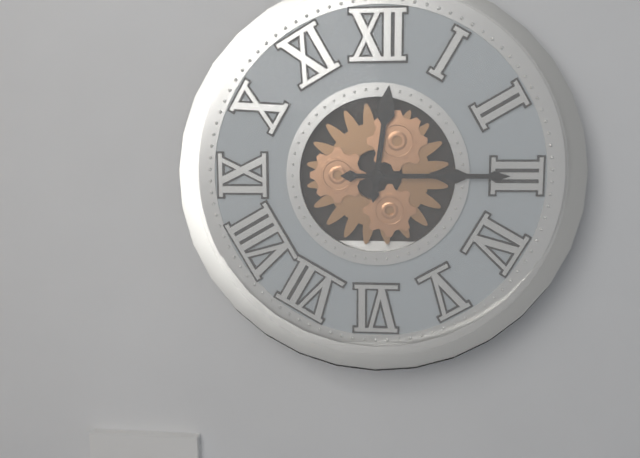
12:15
